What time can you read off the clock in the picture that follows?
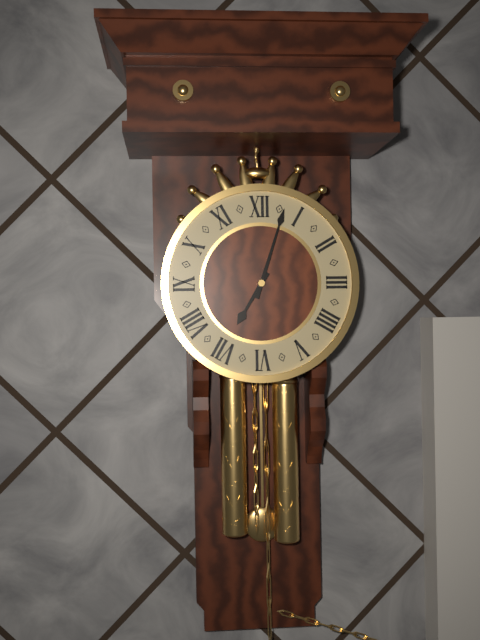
7:03
